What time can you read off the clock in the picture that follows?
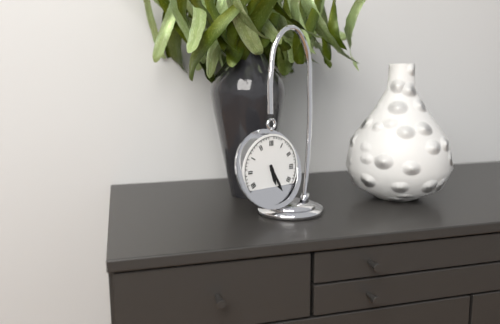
5:25
